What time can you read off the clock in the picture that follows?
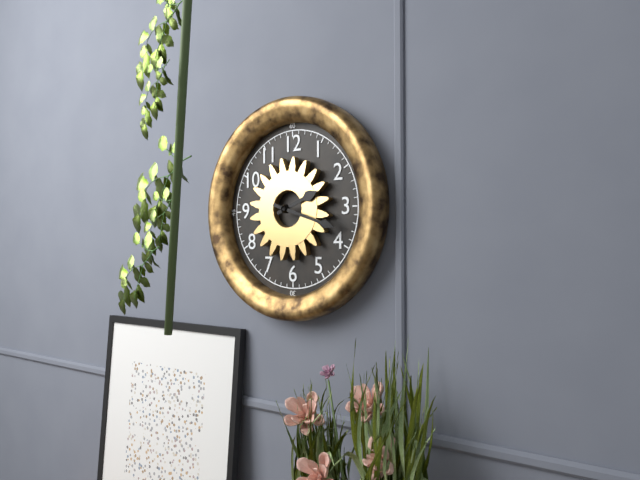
2:18
